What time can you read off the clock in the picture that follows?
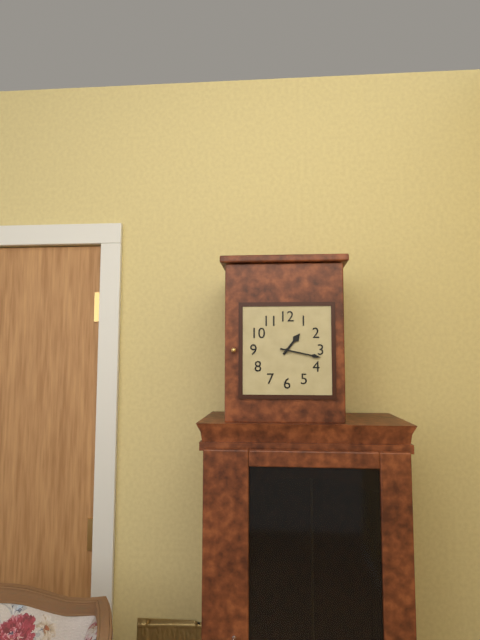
1:17
